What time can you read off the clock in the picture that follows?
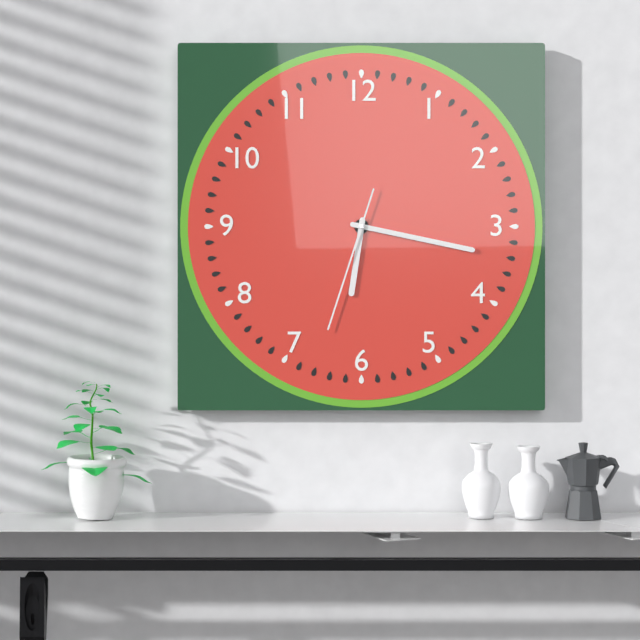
6:17:33
